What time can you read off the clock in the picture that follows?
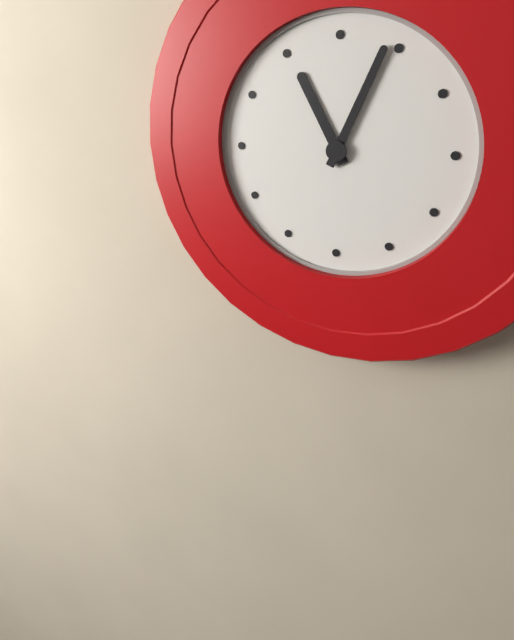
11:04
